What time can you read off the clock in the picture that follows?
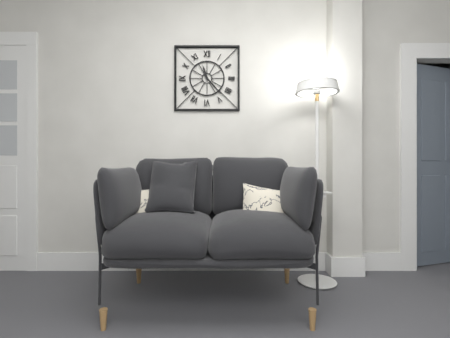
11:23
